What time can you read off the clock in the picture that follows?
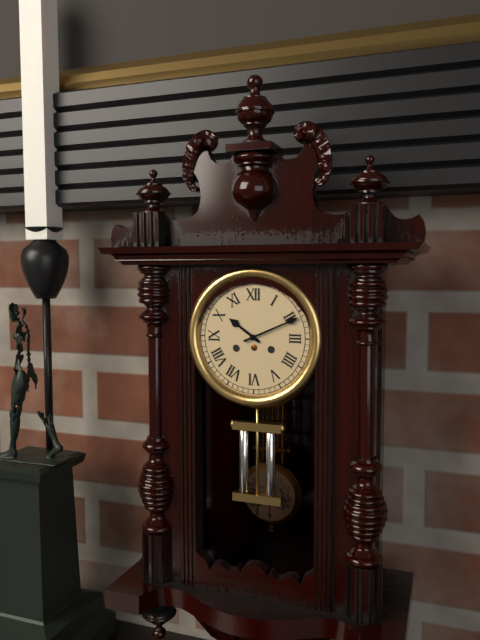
10:11
